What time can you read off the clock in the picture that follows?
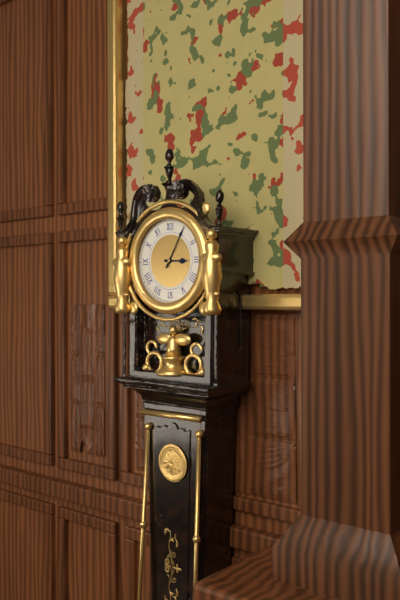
3:05
